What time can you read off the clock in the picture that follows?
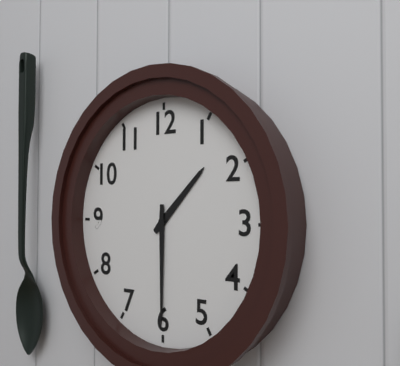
1:30
